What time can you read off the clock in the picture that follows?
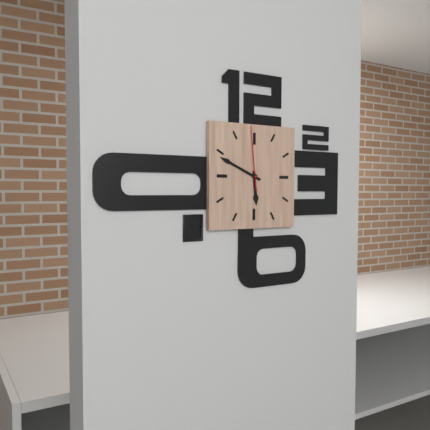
5:49:59
